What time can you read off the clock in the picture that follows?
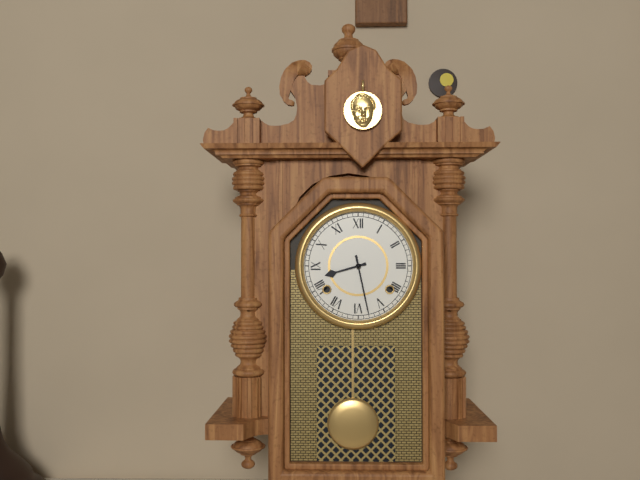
8:28
